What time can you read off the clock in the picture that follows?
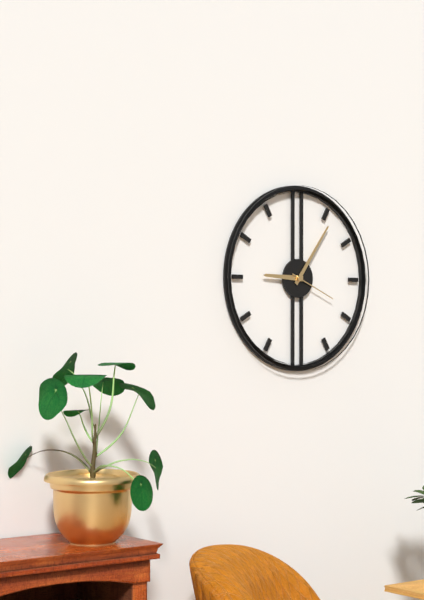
9:06:19
